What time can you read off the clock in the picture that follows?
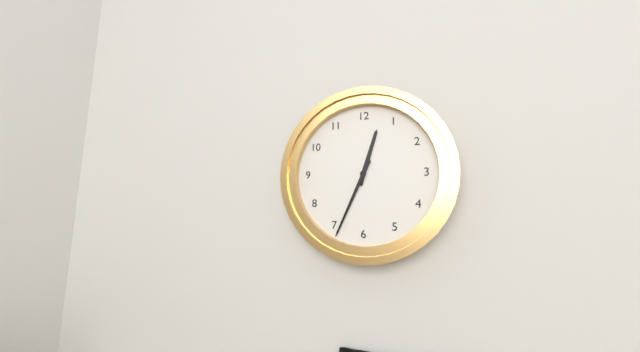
12:34
